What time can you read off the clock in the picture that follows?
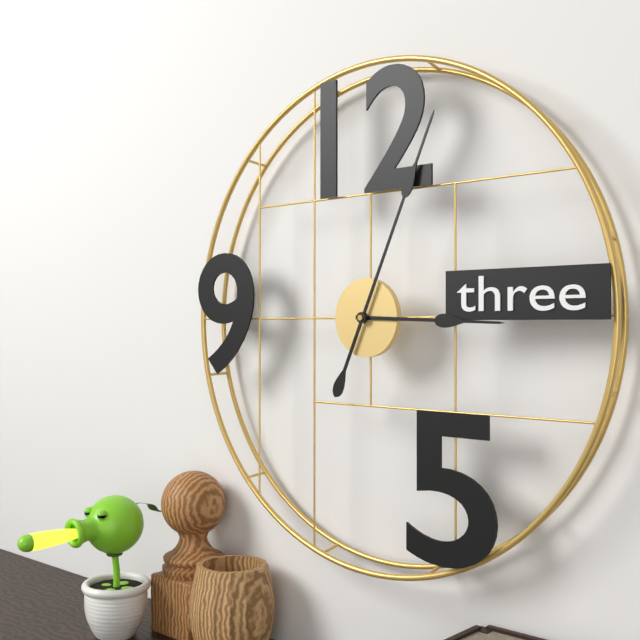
3:04
